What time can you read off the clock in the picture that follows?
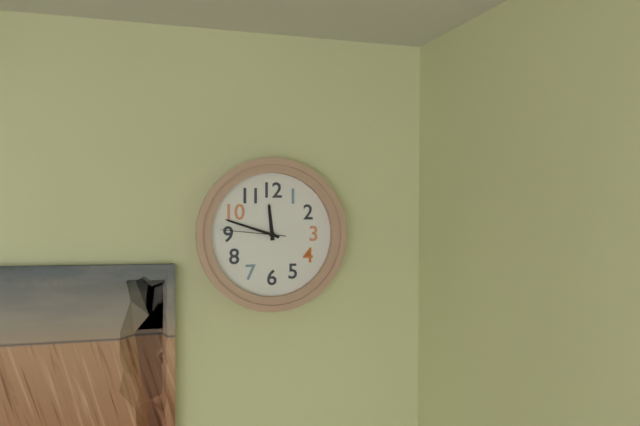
11:48:46
